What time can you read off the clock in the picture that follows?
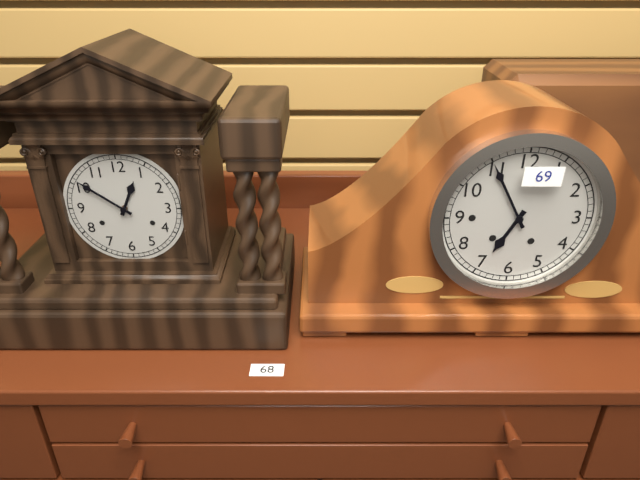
12:51
